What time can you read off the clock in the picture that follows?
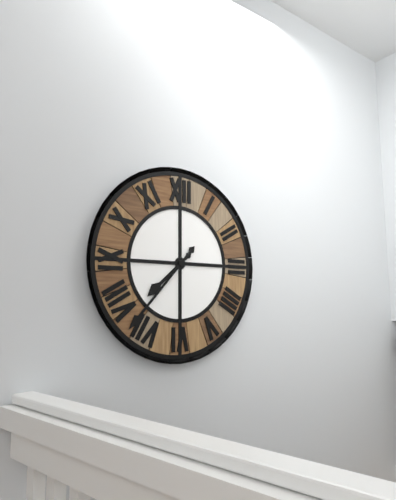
7:37
